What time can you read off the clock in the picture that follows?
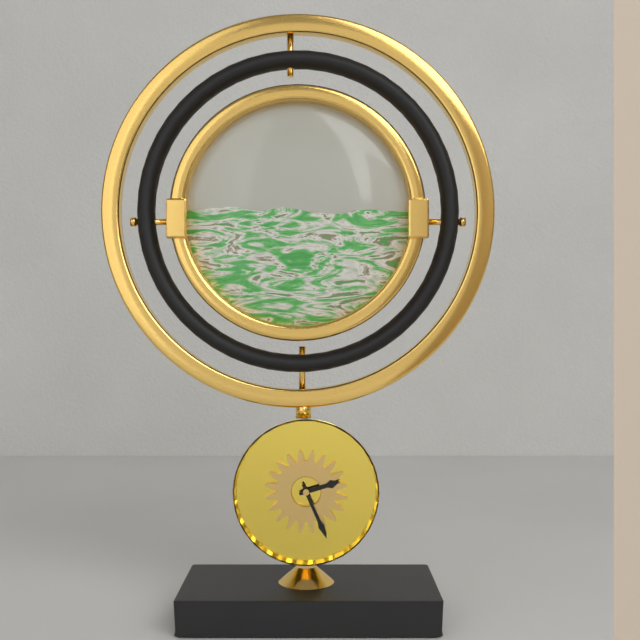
2:26
